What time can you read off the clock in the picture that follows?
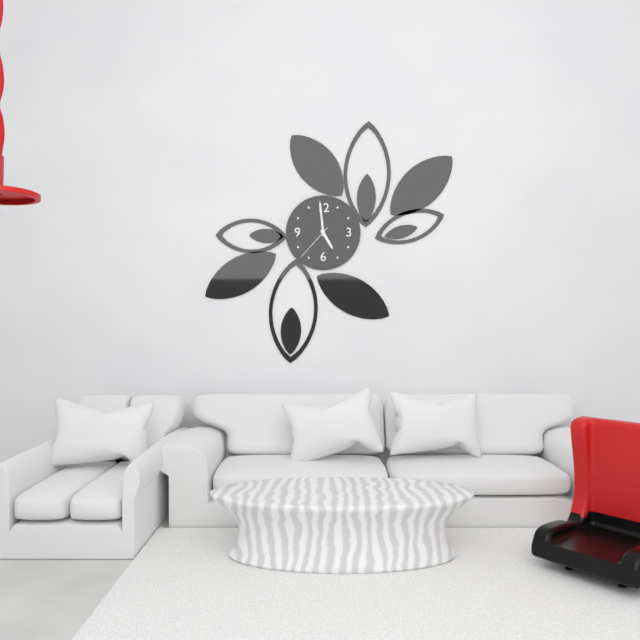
4:59
